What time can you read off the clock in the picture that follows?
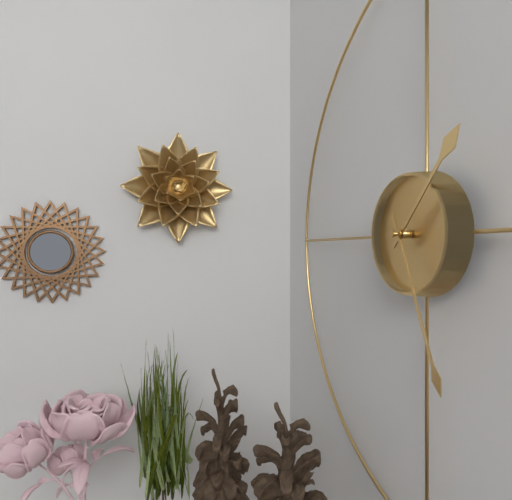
1:26
